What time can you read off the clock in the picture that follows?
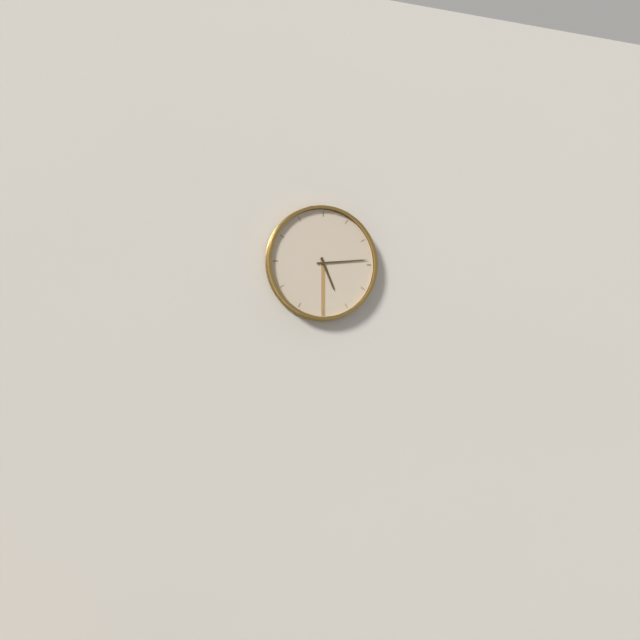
5:14
